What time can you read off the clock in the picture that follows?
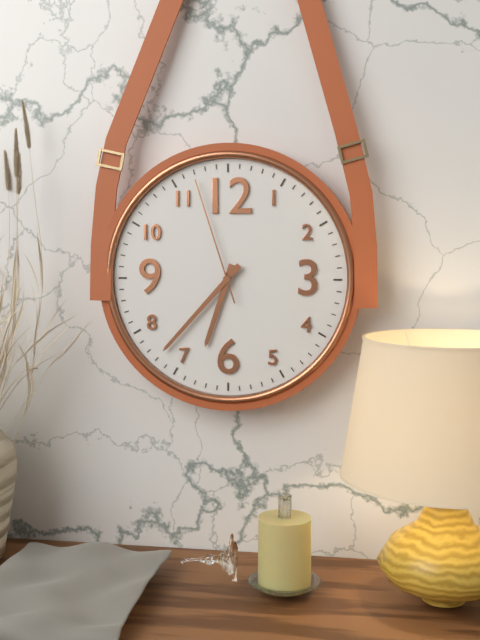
6:37:57
